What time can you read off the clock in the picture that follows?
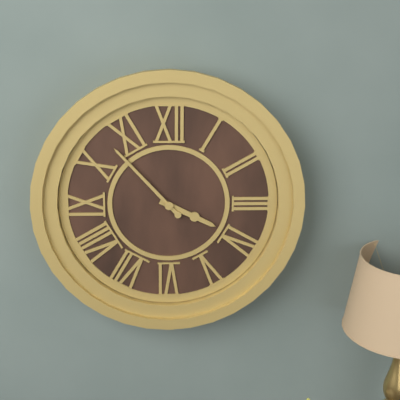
3:53
